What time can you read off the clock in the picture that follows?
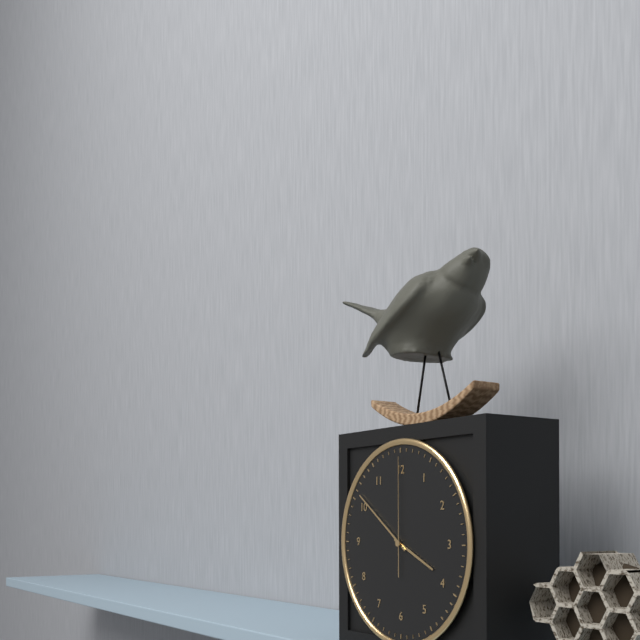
3:51:00
